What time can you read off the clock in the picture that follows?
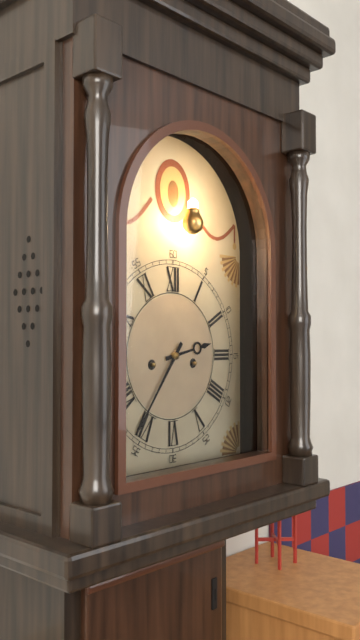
2:36
